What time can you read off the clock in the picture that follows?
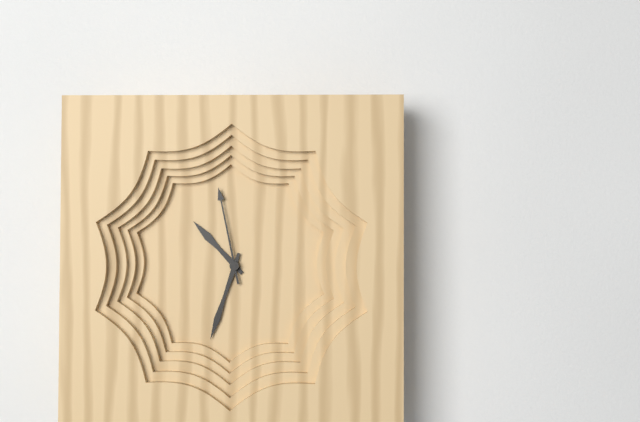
10:33:58
